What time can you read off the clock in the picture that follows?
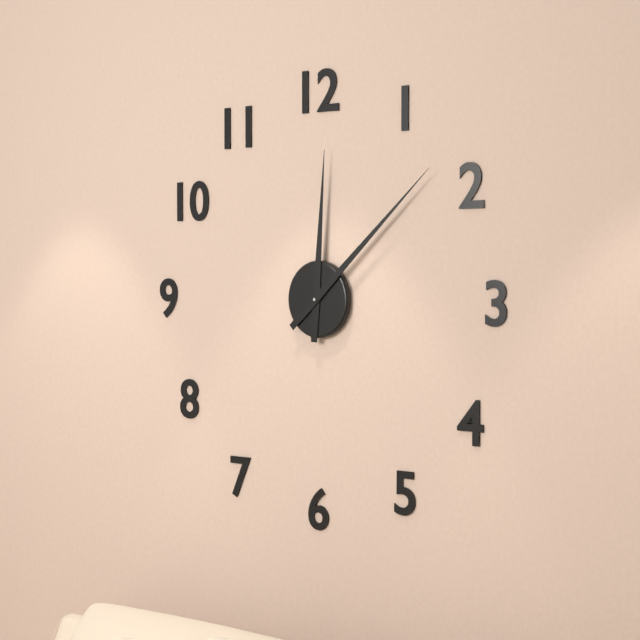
12:08
